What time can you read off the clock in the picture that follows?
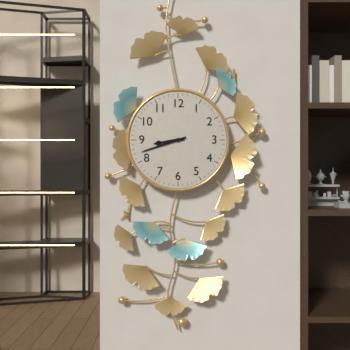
8:42
